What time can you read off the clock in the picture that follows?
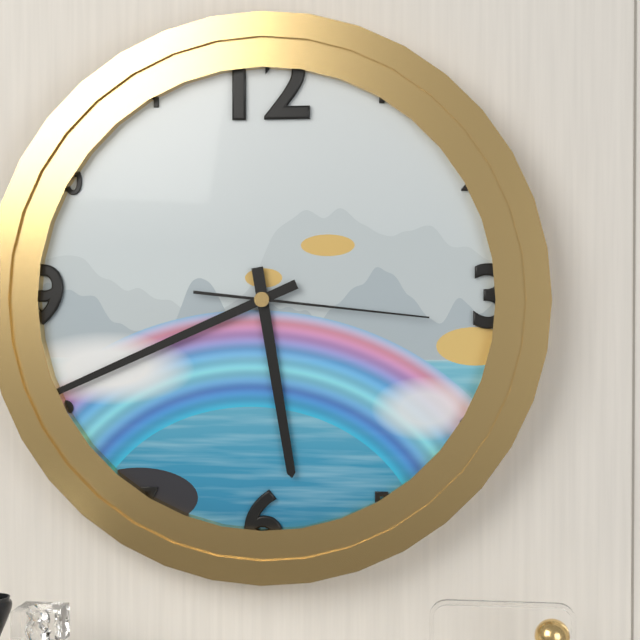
5:41:16
